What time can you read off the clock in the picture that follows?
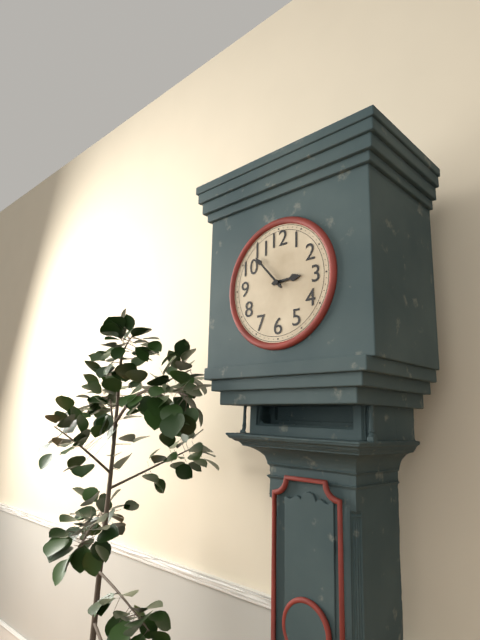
2:53
